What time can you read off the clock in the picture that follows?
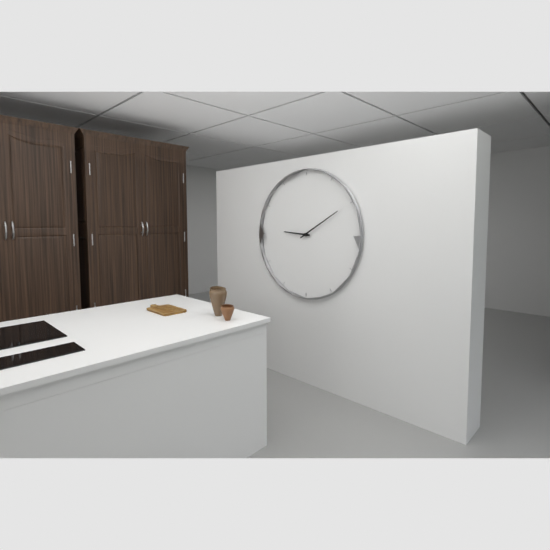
9:10
